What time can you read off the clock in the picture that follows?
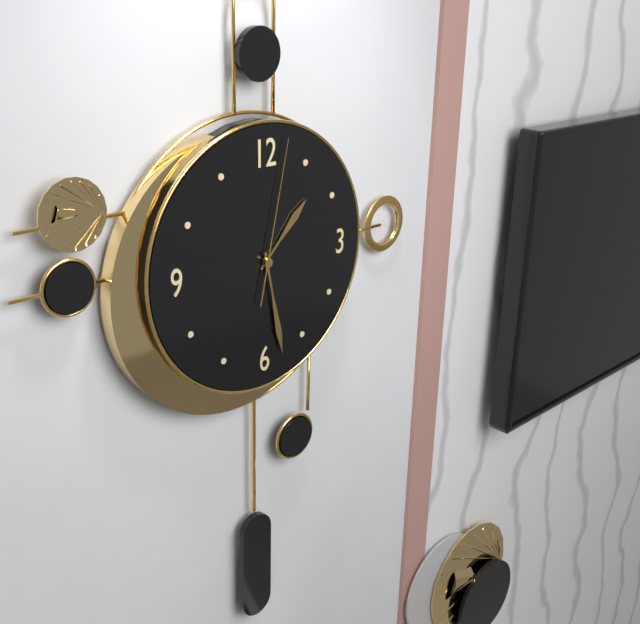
1:28:02
